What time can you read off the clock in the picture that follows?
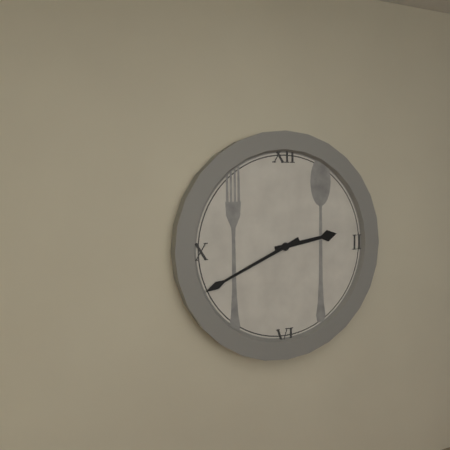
2:41
